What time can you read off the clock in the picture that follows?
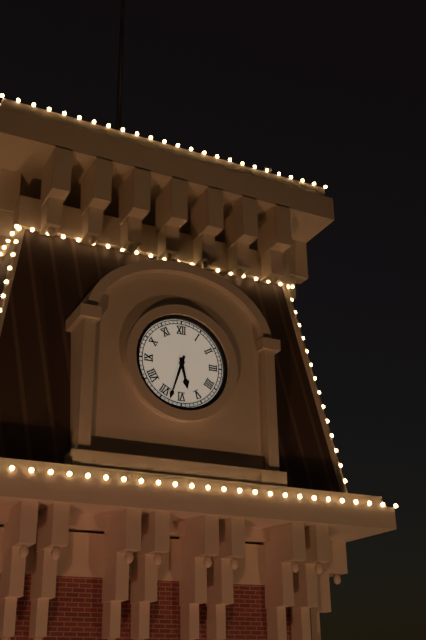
5:33
